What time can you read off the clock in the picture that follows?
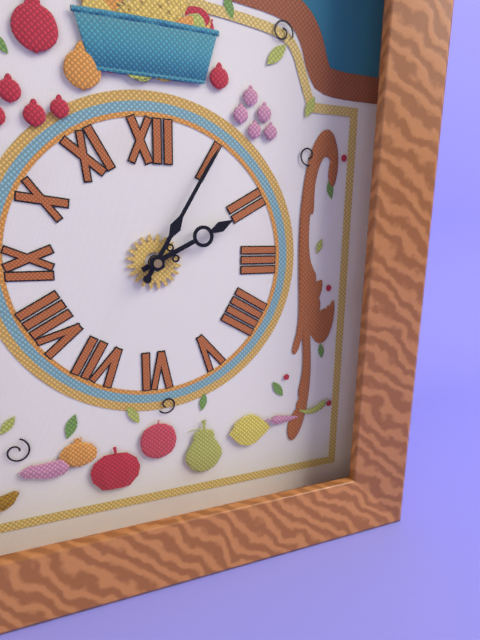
2:05
